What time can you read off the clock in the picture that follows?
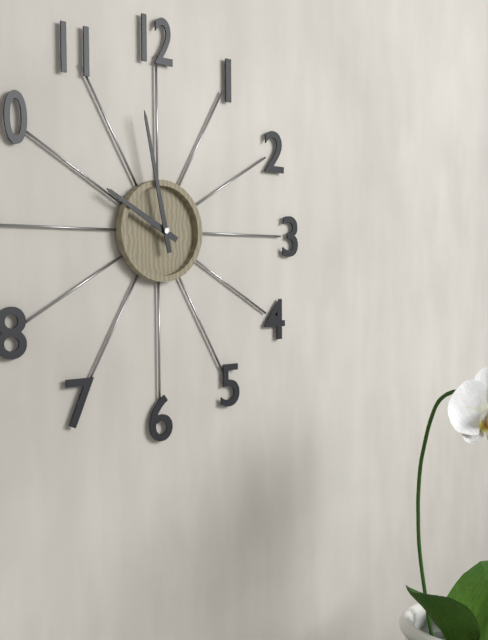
9:58
